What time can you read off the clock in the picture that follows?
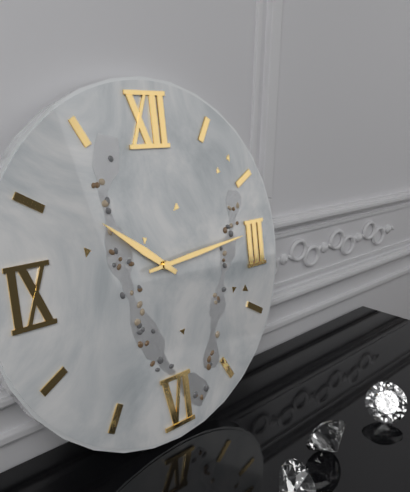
10:14
